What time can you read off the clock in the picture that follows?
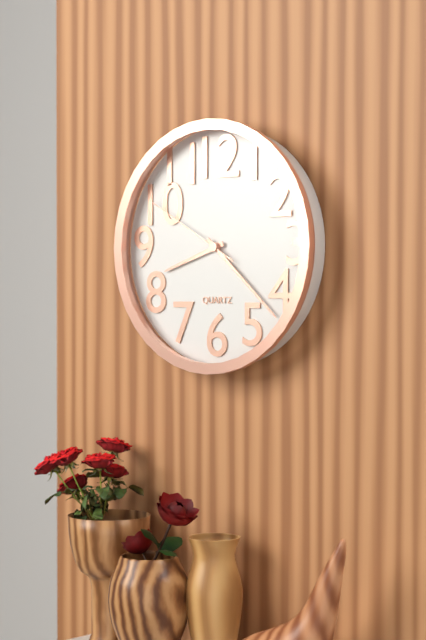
8:22:50
